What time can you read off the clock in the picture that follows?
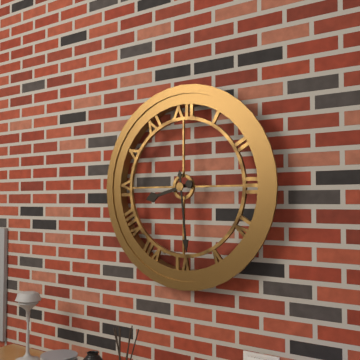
8:29
